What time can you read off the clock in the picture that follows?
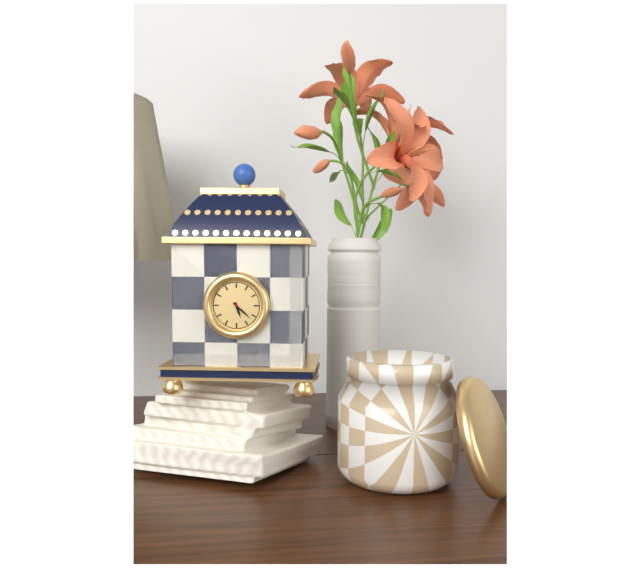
5:22
